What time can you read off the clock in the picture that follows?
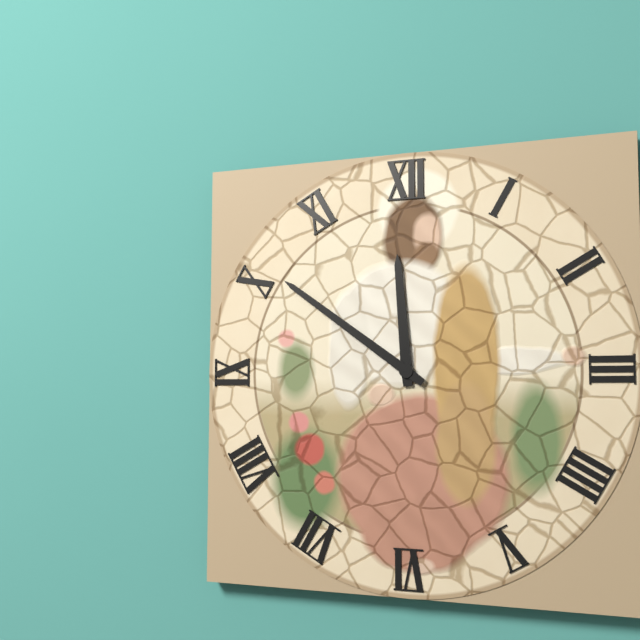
11:51
